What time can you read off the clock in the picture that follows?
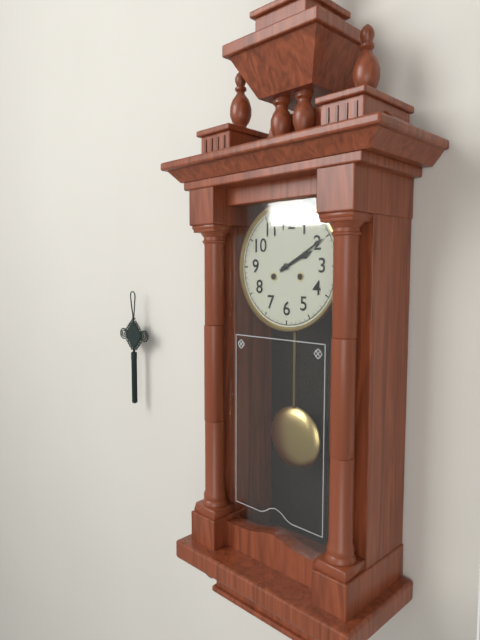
2:10
